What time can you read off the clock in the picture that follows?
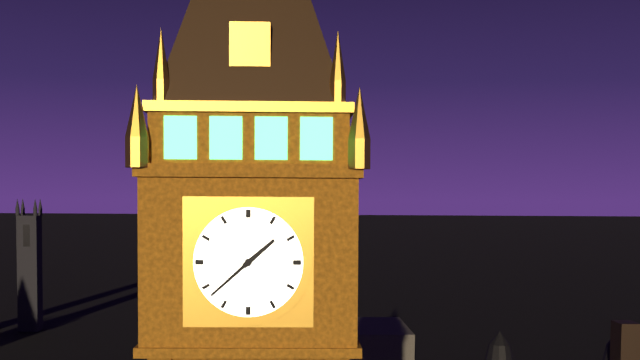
1:38
